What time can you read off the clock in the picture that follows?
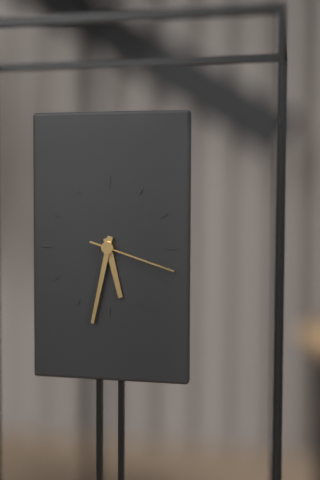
5:32:18
